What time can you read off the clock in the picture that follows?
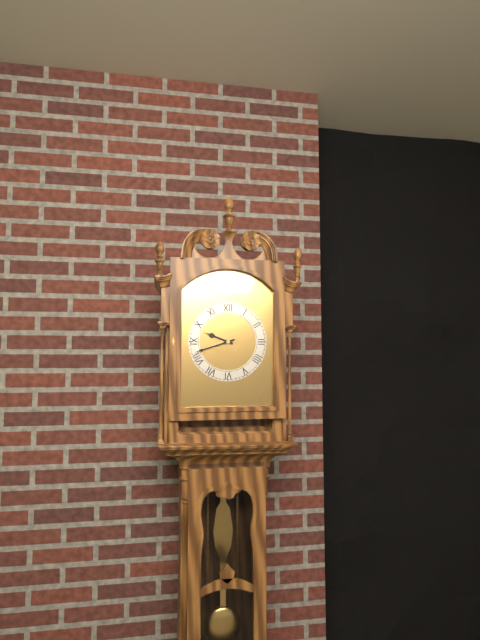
9:42
